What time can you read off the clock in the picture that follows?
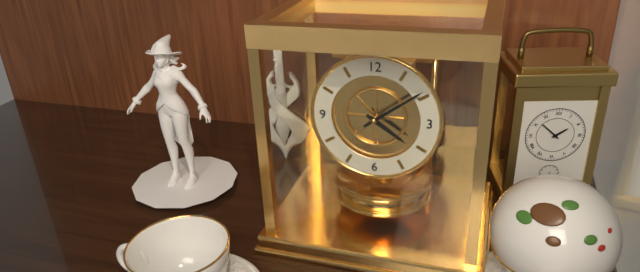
4:09
